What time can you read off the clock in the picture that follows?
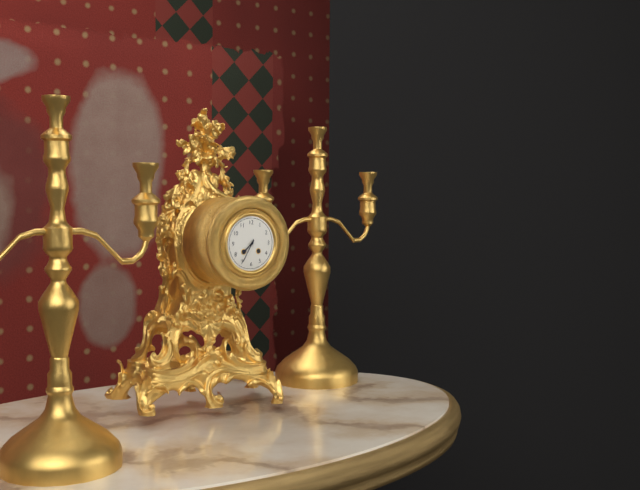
7:35
